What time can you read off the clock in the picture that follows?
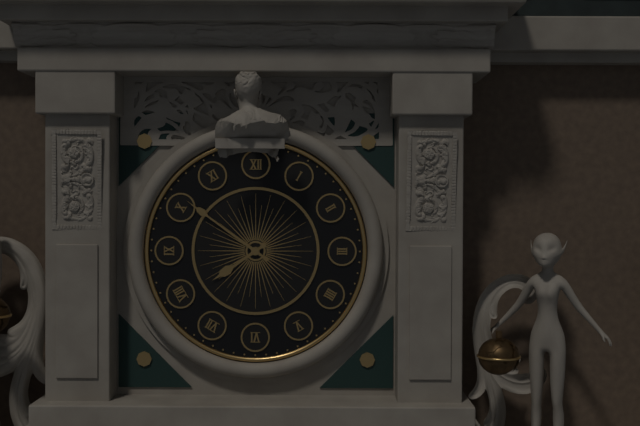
7:51
